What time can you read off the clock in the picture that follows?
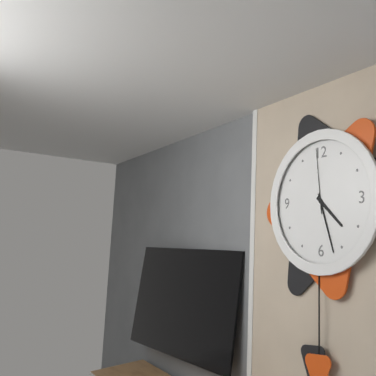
4:27:59
